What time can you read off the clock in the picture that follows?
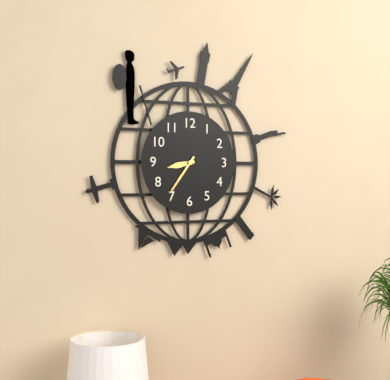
8:36
